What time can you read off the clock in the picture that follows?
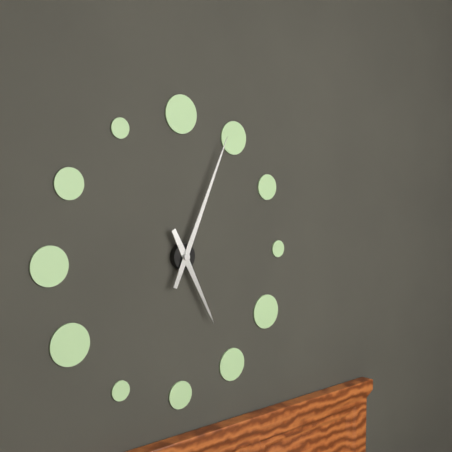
5:04
